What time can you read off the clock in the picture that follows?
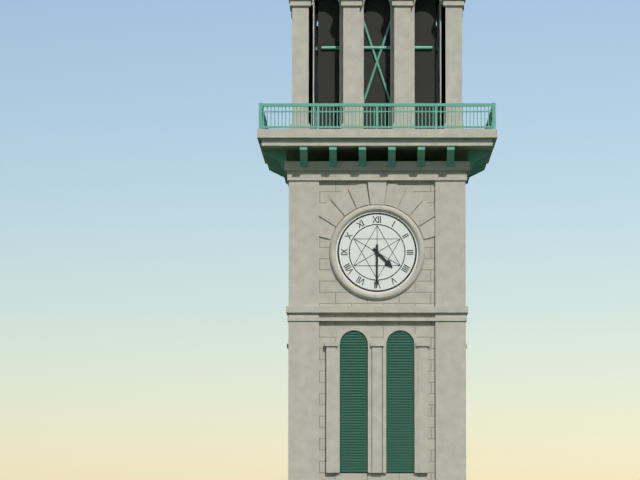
4:30
